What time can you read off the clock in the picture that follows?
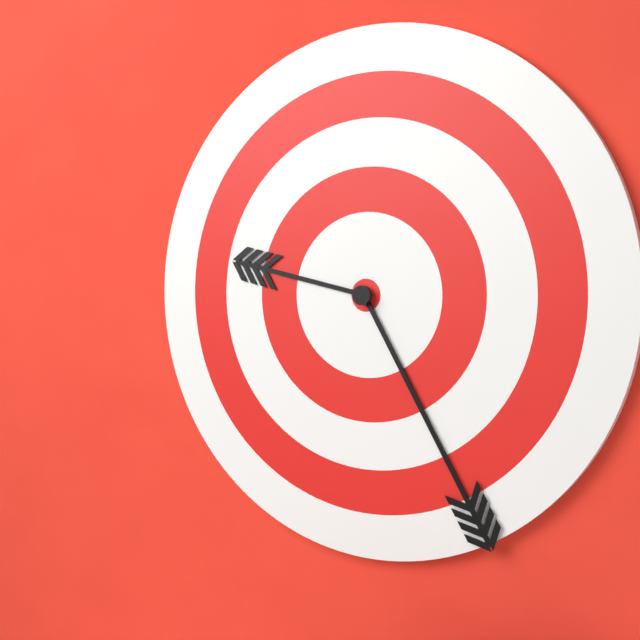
9:25
